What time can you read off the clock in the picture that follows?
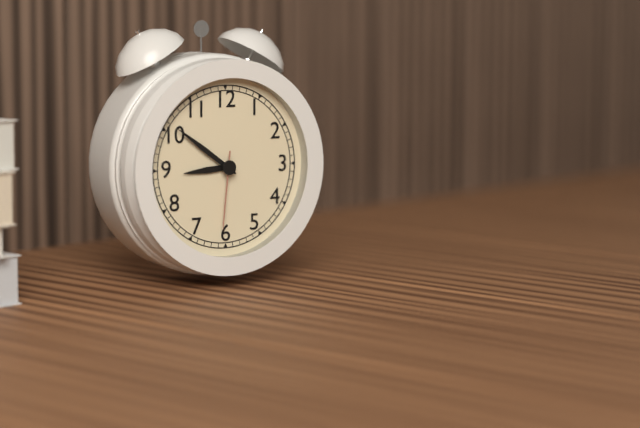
8:51:31
